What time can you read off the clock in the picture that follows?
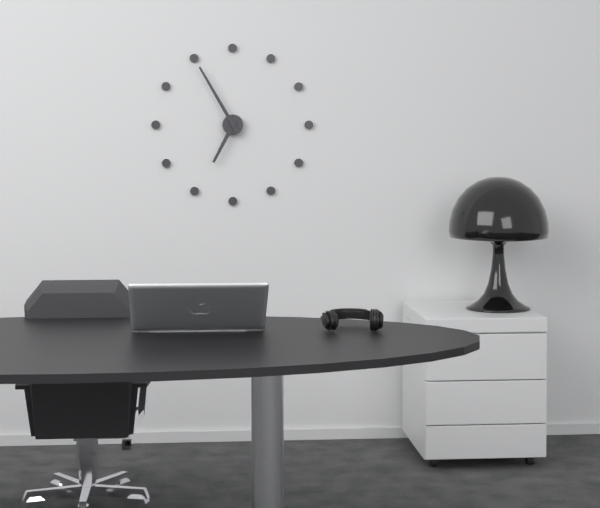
6:55
